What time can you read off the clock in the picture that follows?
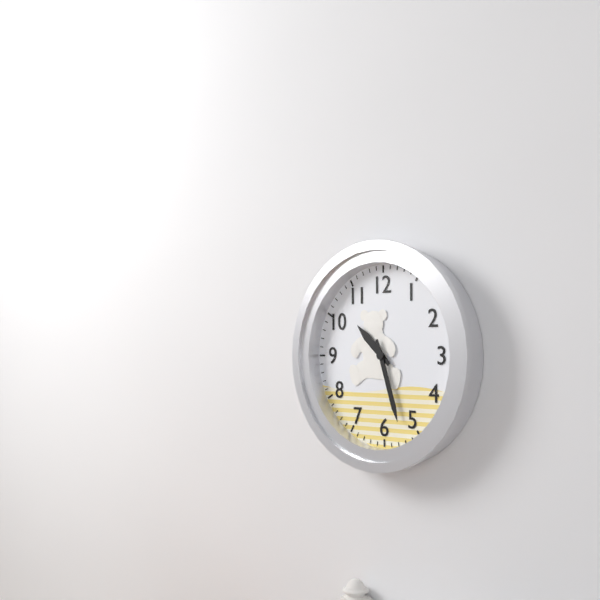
10:27
